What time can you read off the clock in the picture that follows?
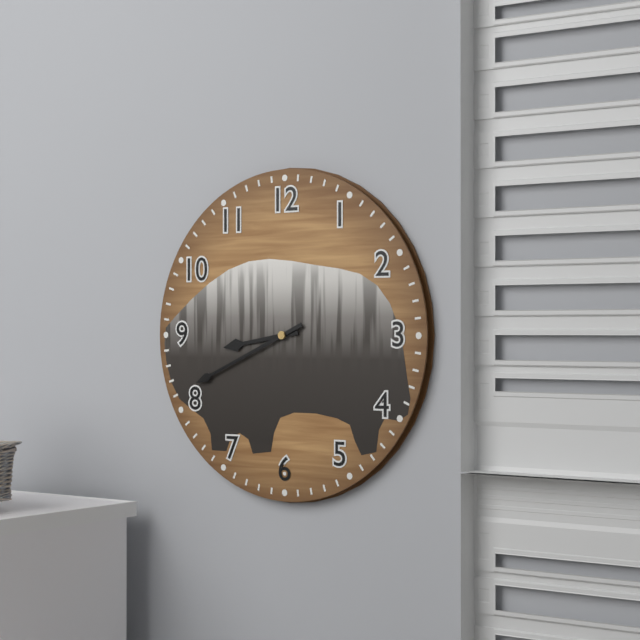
8:41
